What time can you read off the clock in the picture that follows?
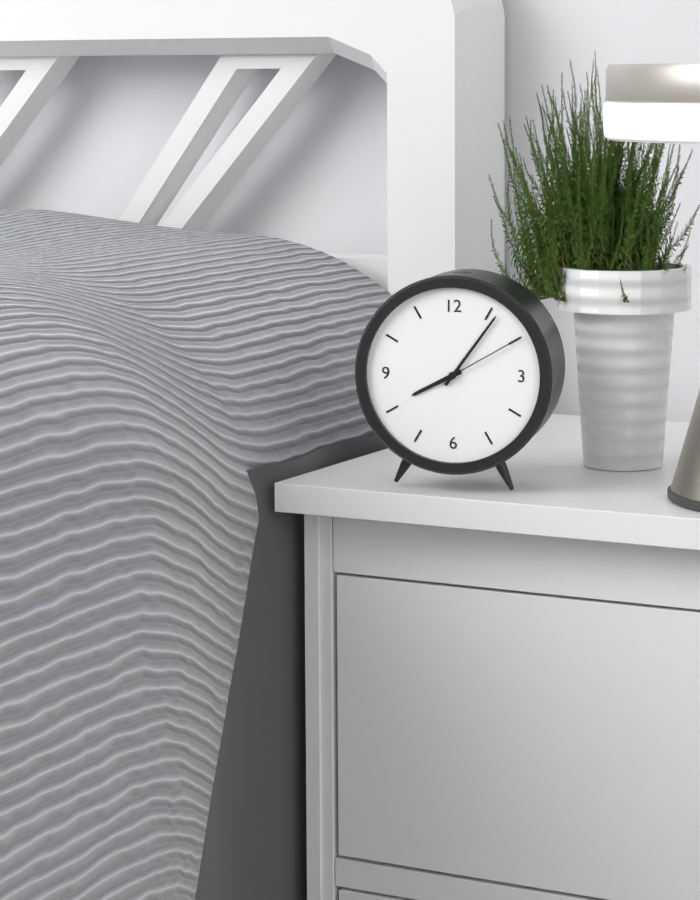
8:06:10
